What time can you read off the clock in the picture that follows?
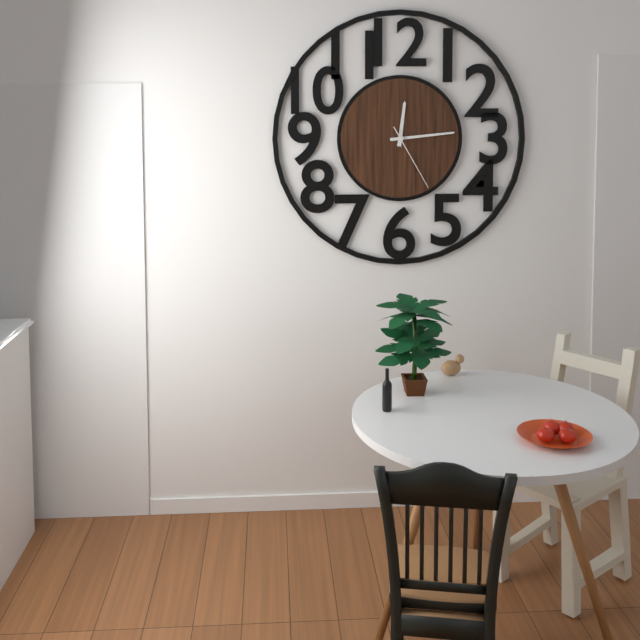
12:14:25
